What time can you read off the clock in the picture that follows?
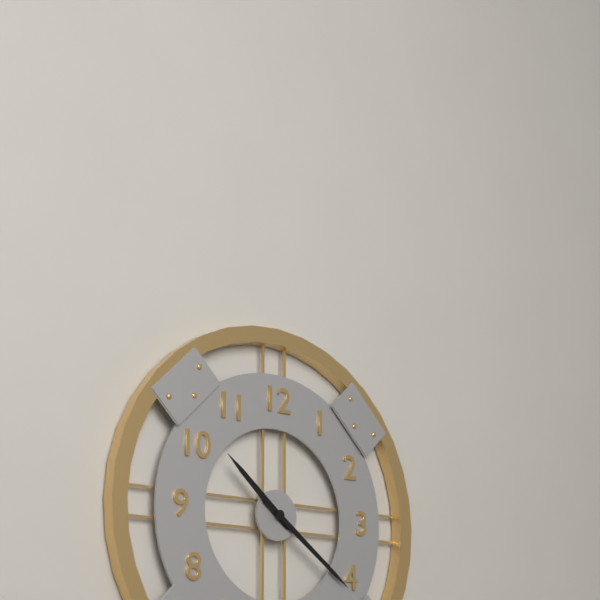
10:21
